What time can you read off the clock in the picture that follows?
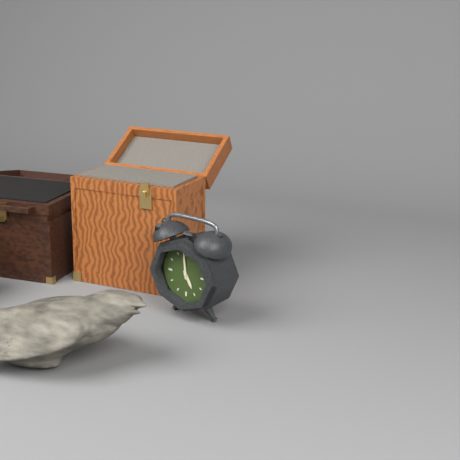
4:59
